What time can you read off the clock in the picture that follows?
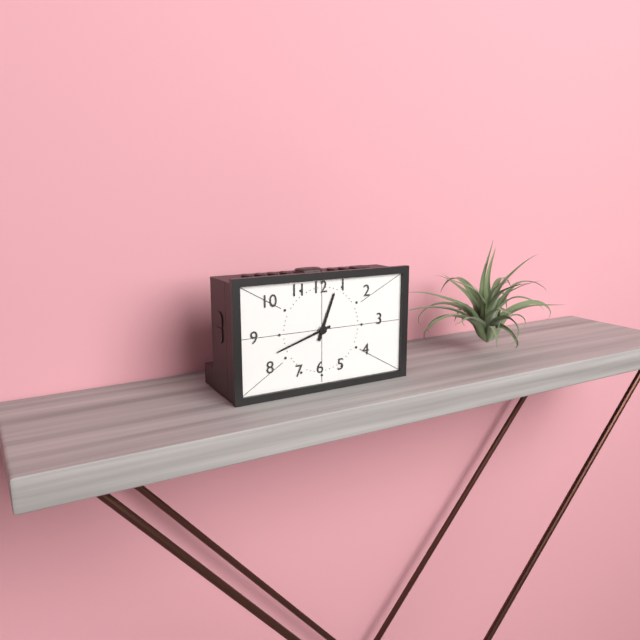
12:42
